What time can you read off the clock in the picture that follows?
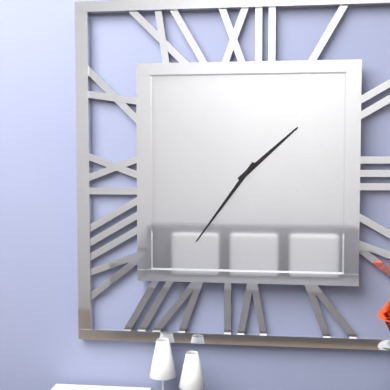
1:36
